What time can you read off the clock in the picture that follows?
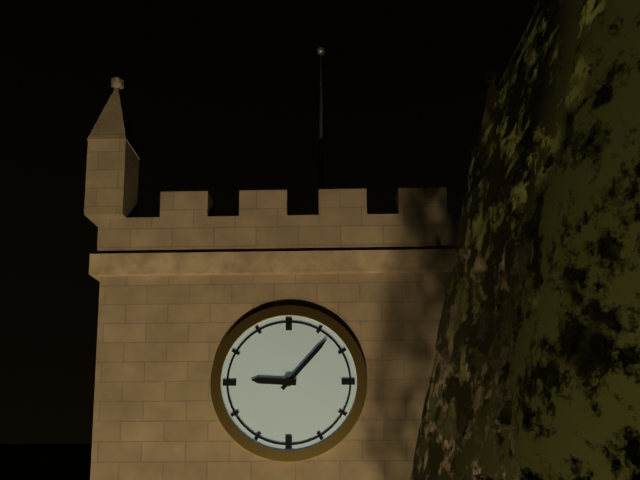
9:07
